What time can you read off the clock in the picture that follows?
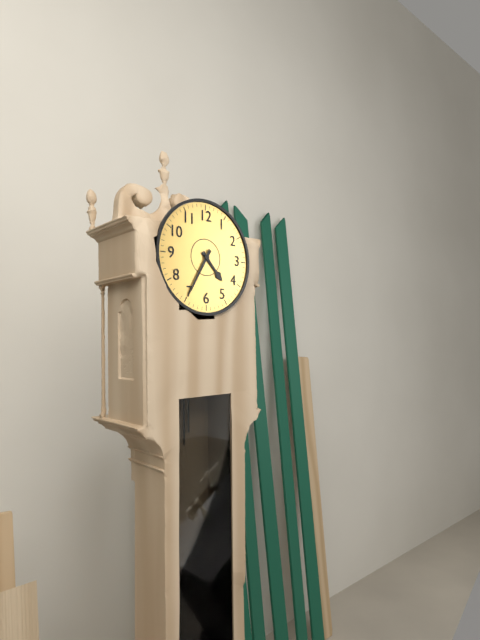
4:35
